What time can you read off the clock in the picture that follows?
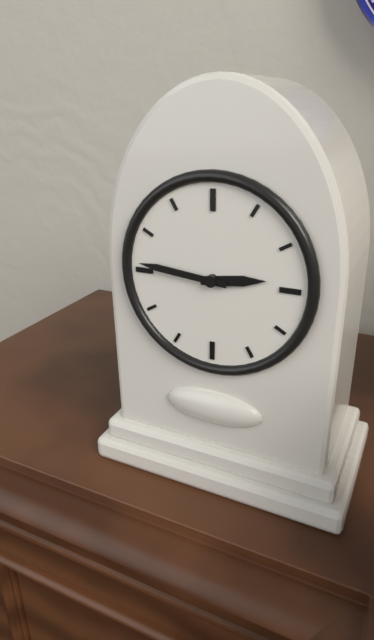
2:46
